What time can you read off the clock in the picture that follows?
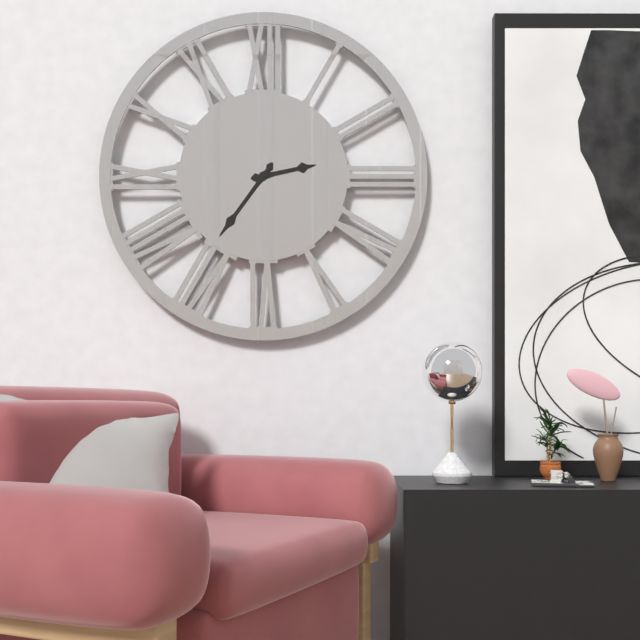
2:36
